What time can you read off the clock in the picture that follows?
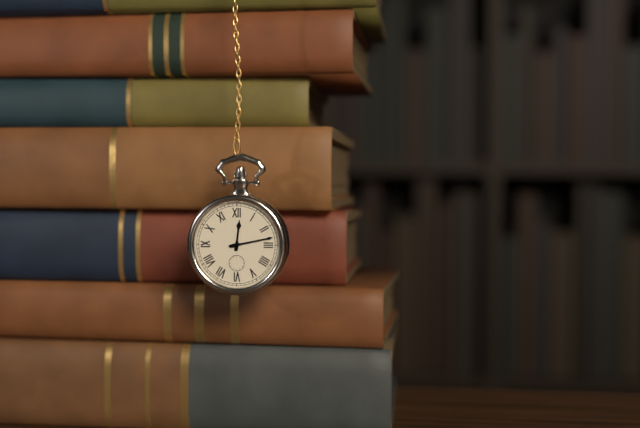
12:13
